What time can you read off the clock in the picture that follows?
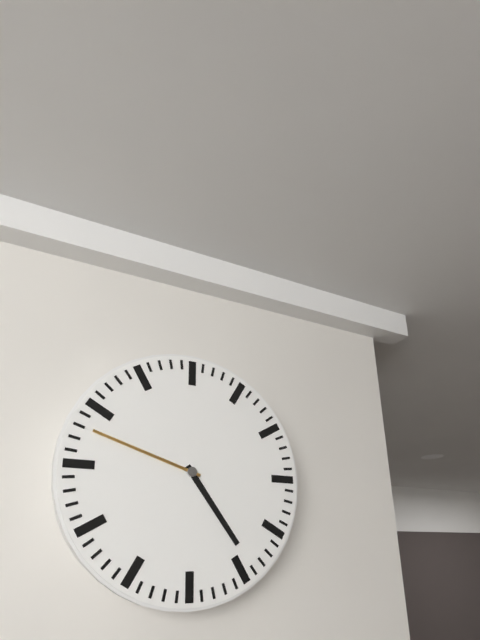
4:48
